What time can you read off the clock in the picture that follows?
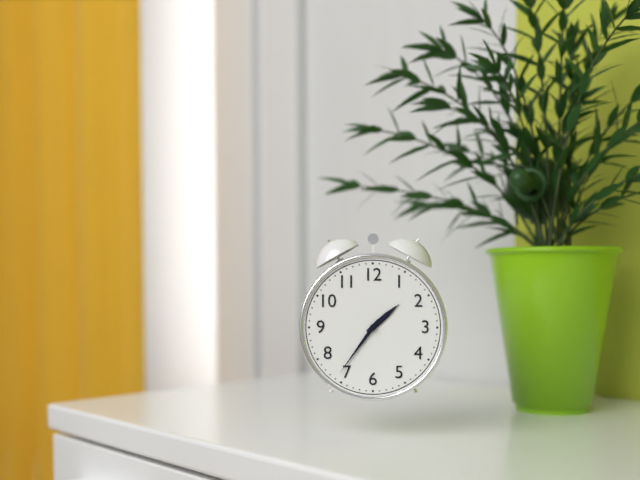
1:36
